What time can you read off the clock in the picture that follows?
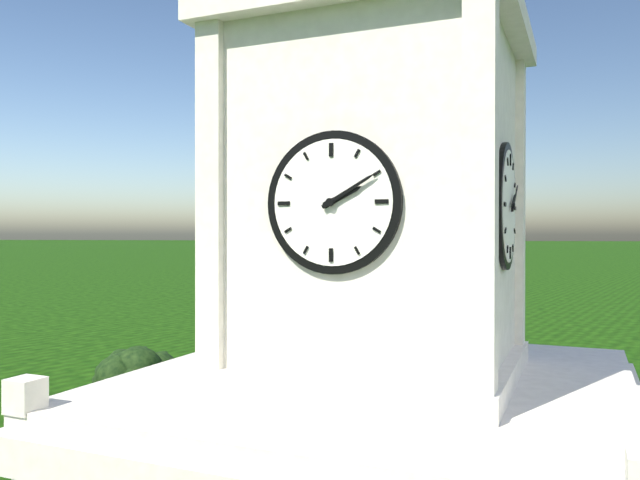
2:10
